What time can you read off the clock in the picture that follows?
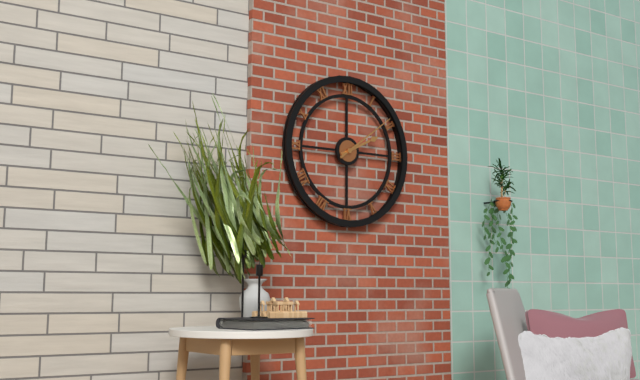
2:09
